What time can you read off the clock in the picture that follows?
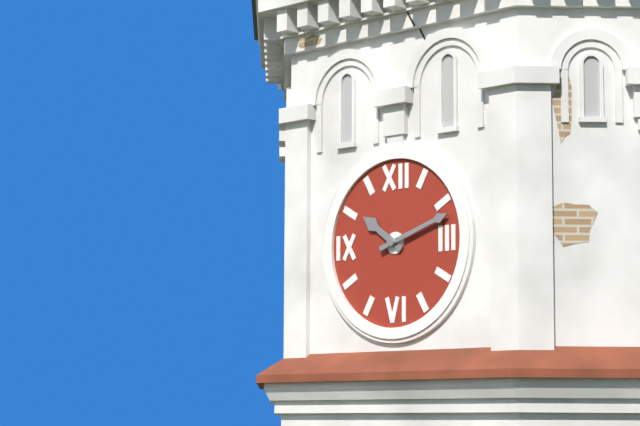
10:12
